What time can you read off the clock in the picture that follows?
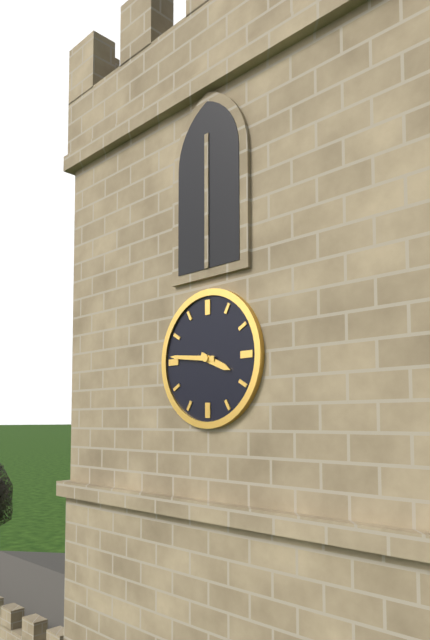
3:46
